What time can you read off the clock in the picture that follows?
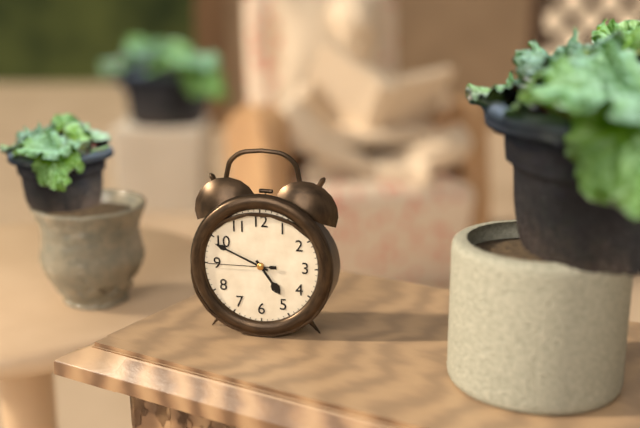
4:49:45
